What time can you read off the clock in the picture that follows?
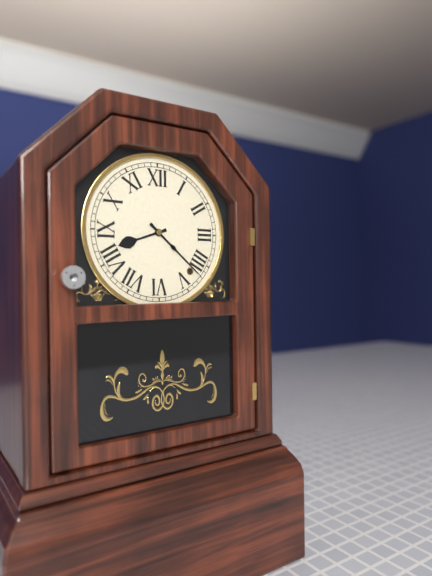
8:22
